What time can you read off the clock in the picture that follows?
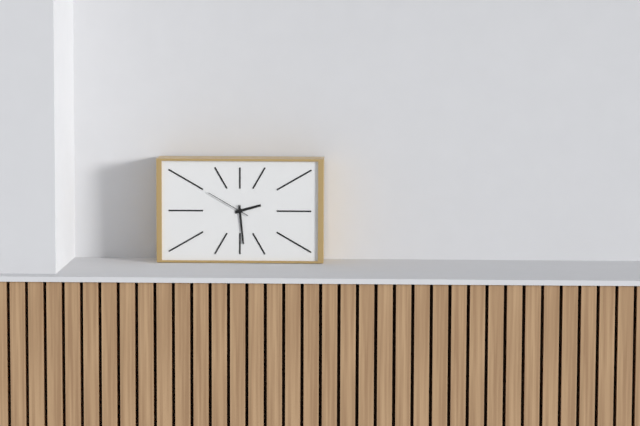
2:29
